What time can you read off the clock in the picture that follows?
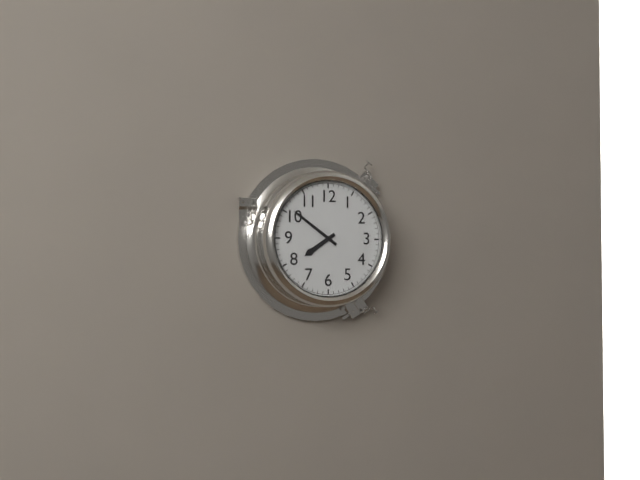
7:51
